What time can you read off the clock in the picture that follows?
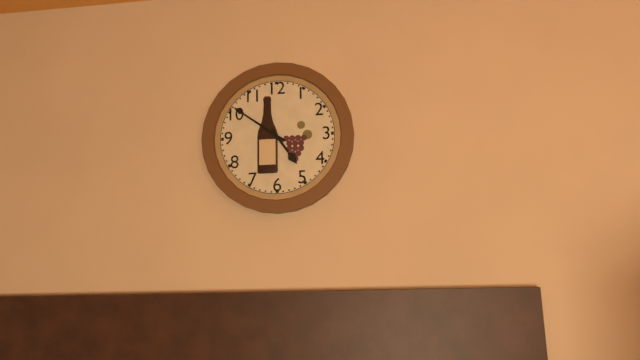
4:51
